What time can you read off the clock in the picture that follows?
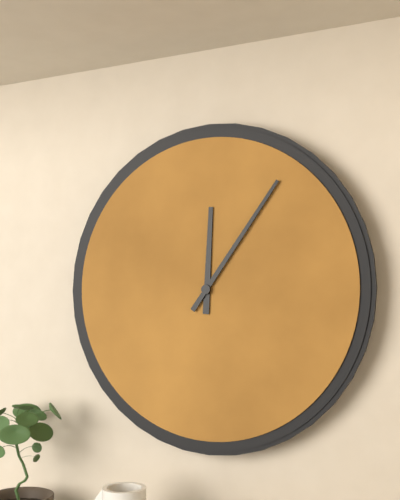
12:06
